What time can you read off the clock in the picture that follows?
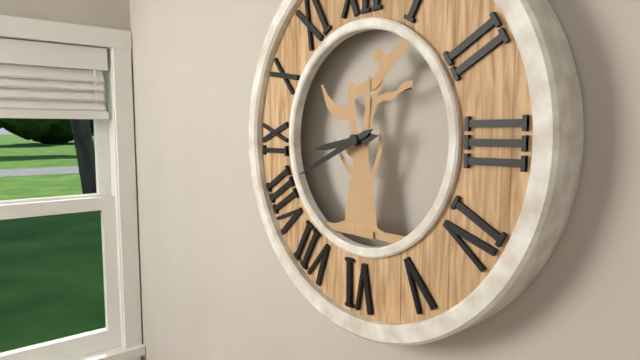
8:41
